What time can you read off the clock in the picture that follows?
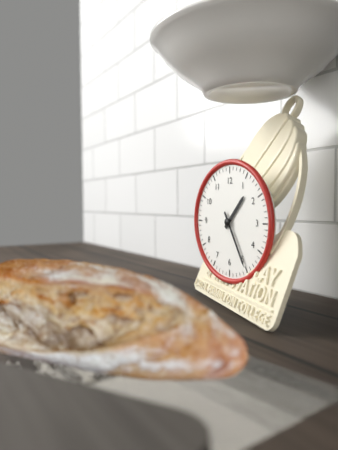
1:25
